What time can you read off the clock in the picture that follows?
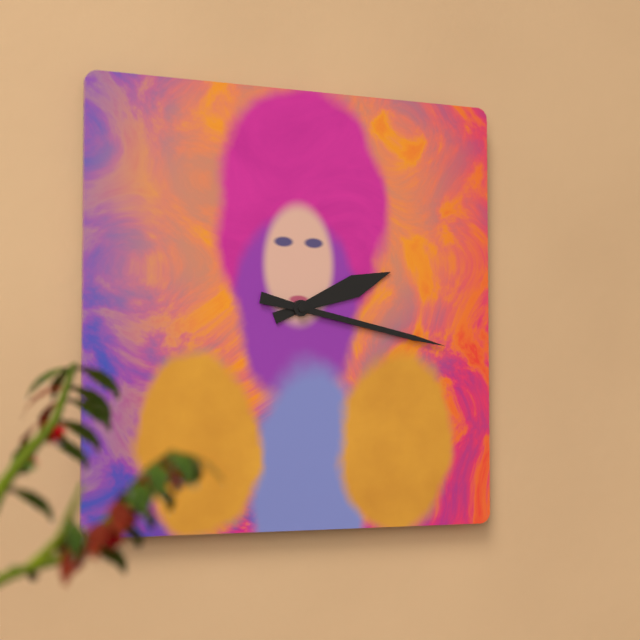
2:17
